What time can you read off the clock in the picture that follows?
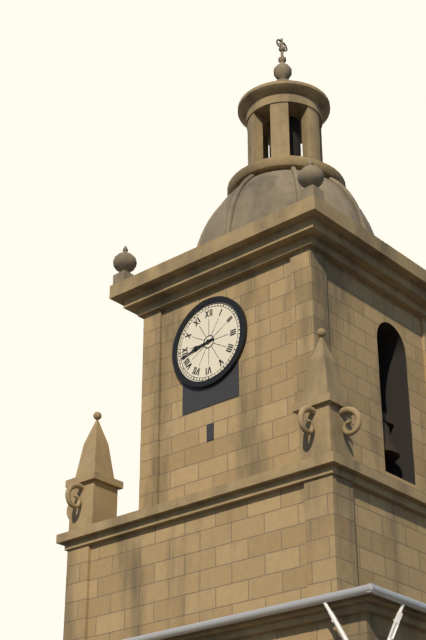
8:43
